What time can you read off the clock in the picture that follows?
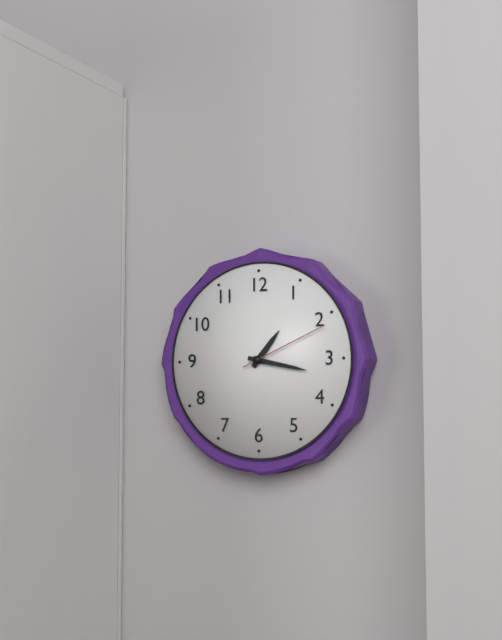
1:17:11
